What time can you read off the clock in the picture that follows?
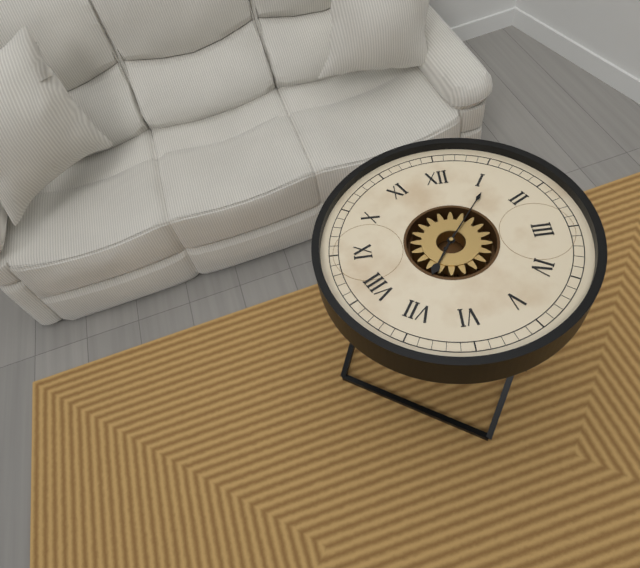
7:06
